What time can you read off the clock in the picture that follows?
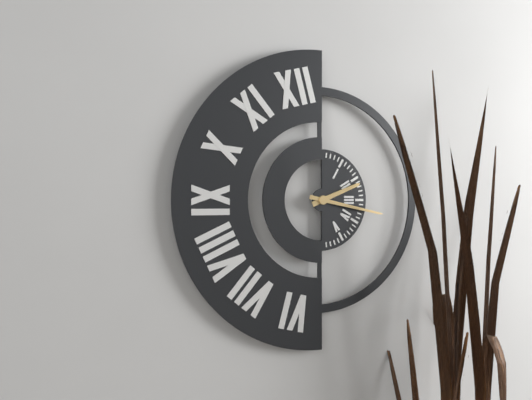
2:17
